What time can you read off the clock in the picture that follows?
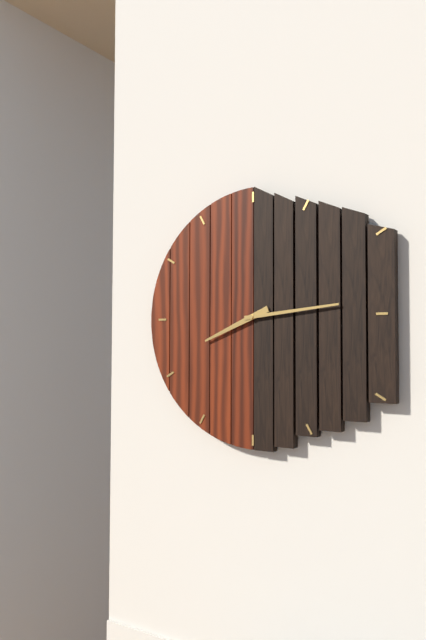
8:14
